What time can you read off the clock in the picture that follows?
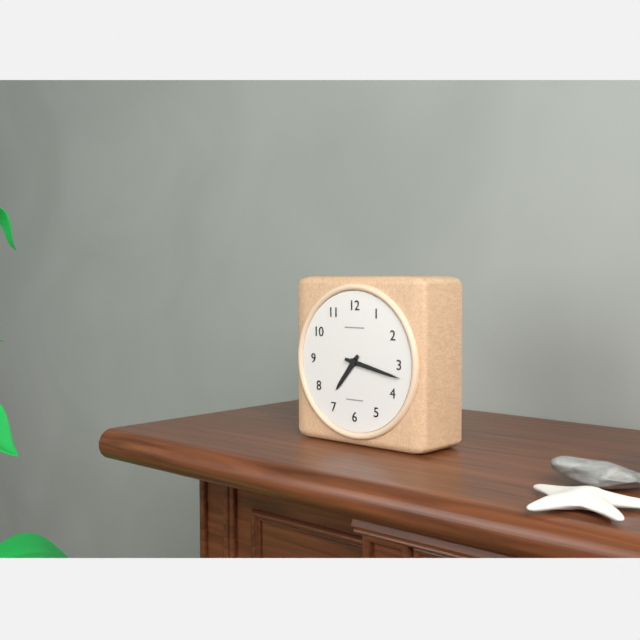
7:17
